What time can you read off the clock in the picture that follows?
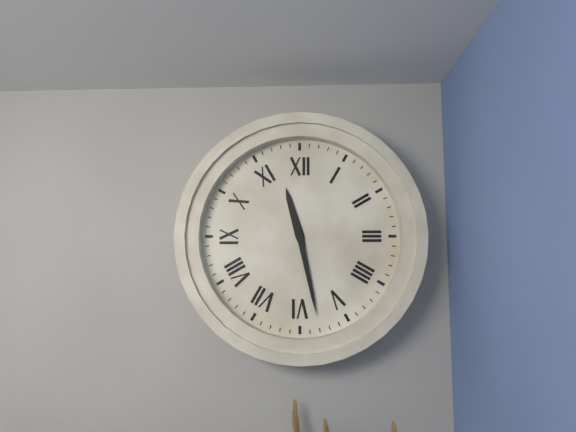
11:28
